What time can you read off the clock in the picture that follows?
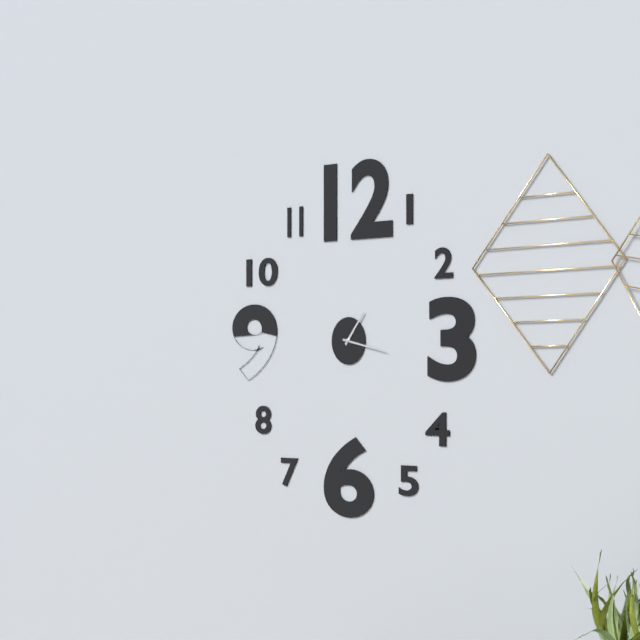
1:17
